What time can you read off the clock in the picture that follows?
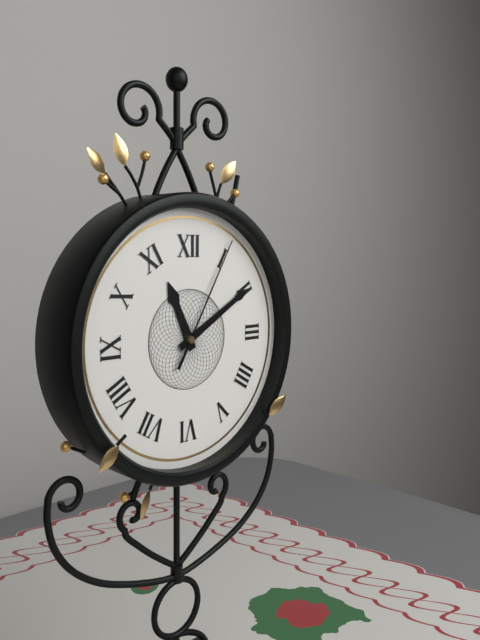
11:10:05
